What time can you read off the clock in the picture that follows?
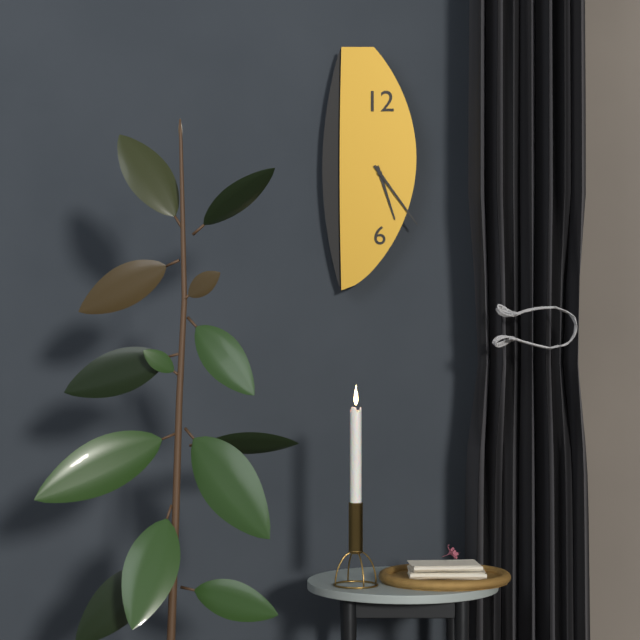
5:24
